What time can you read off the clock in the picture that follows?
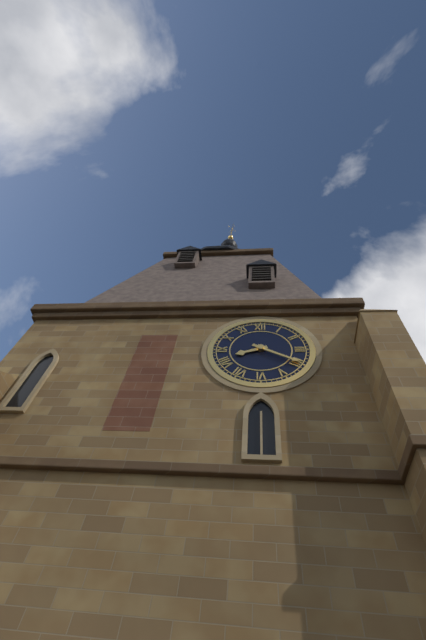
8:20
